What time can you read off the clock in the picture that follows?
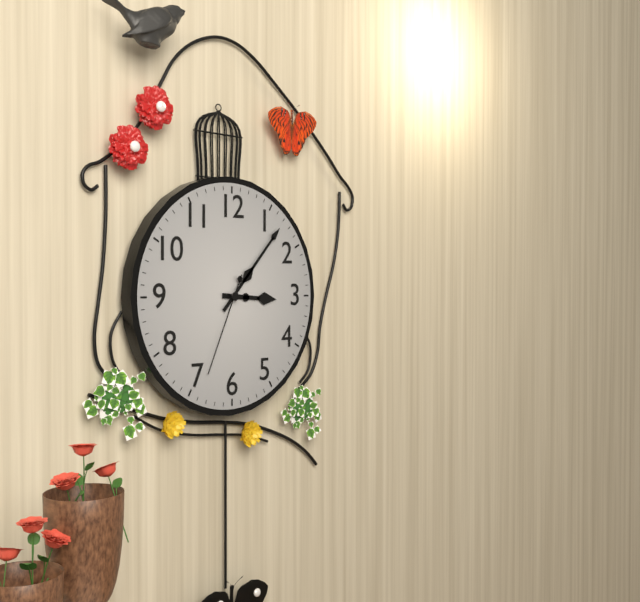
3:07:34
